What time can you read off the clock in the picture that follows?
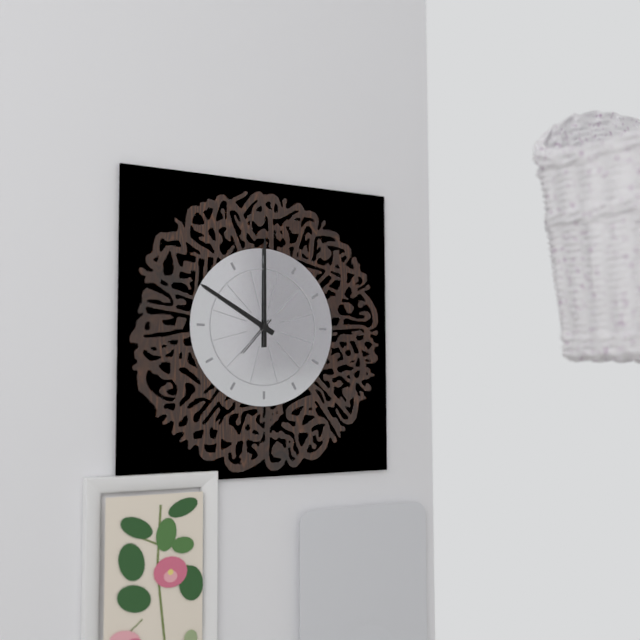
10:00
